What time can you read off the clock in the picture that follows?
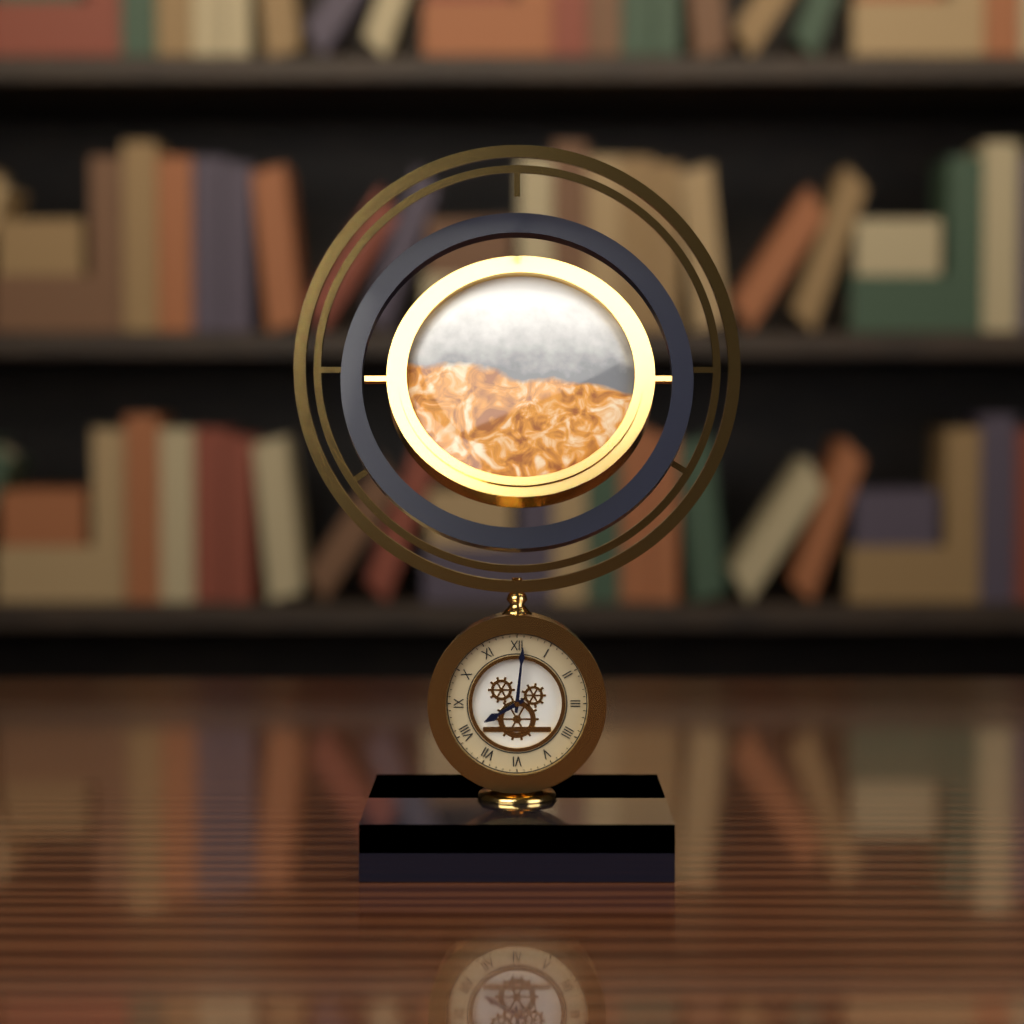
8:01
